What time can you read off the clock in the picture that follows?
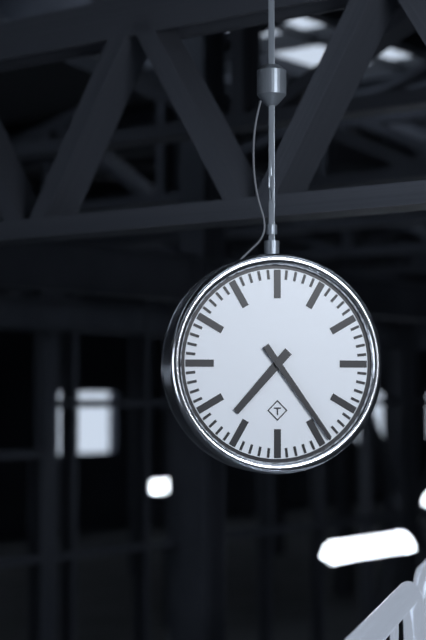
7:24
